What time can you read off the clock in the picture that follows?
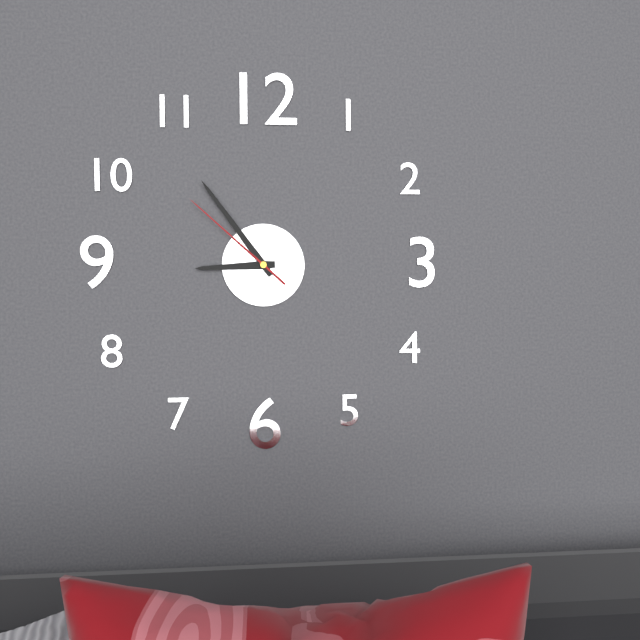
8:54:52
